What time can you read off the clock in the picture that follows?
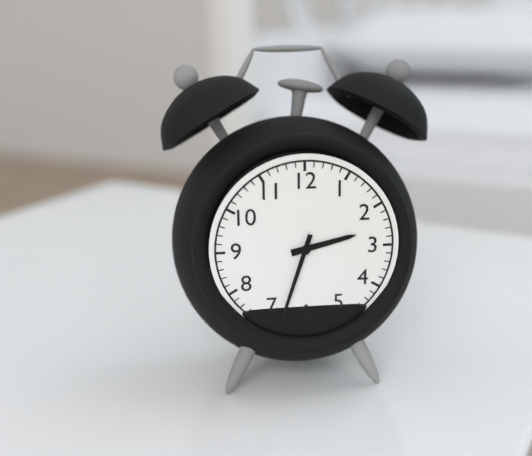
2:33
